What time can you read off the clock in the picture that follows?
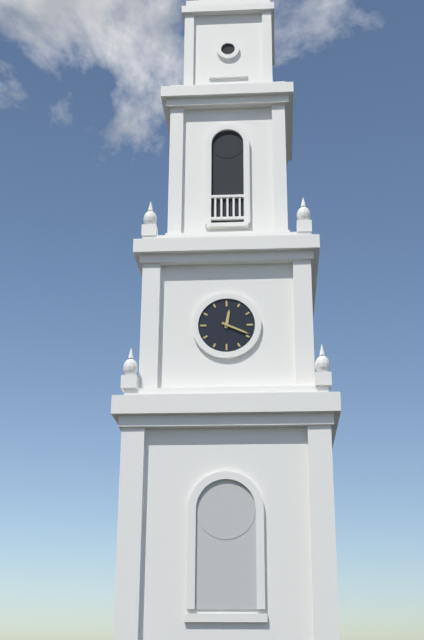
12:19
